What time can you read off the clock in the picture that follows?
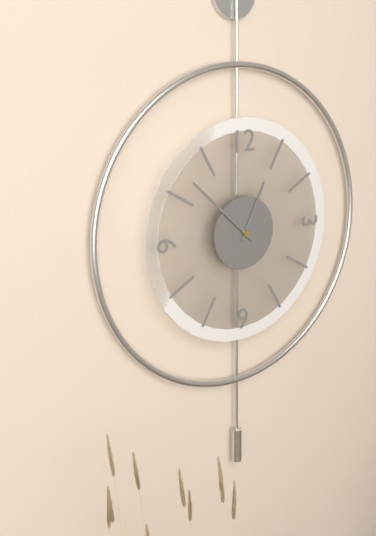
12:52
